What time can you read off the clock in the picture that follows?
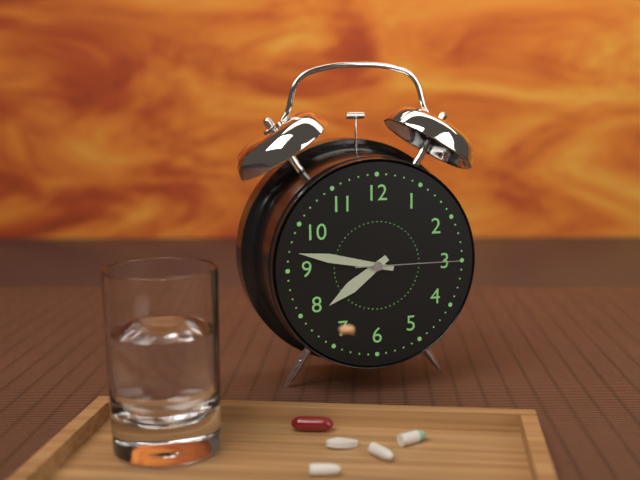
7:47:15
